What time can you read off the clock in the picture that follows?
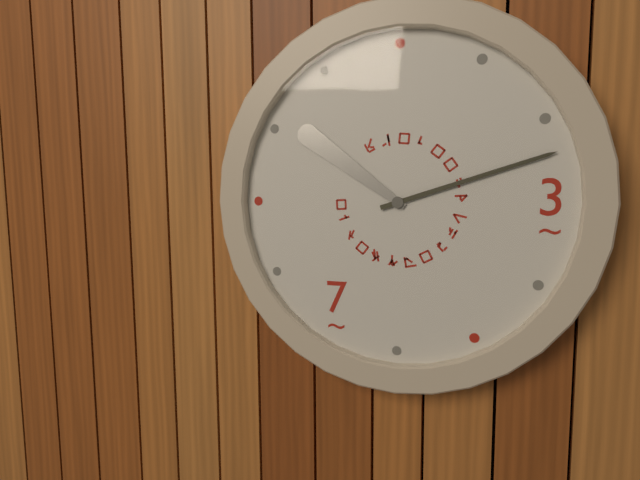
10:12
